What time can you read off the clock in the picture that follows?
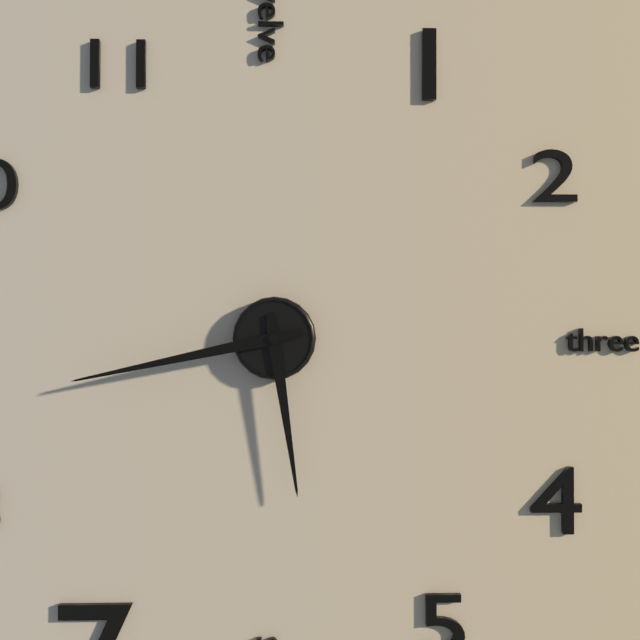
5:43
